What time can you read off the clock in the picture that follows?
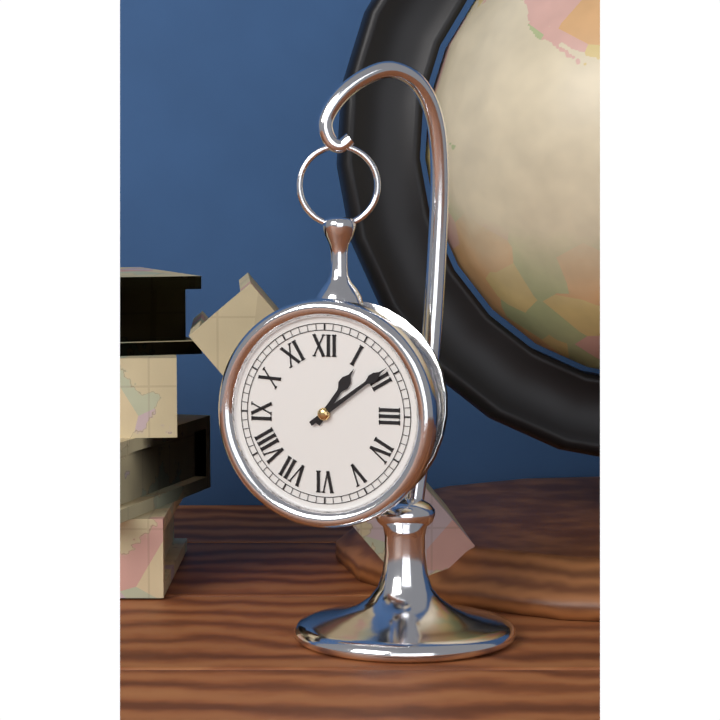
1:09
